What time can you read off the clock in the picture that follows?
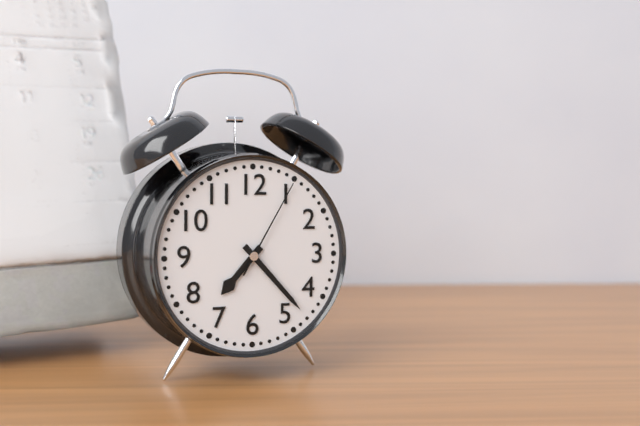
7:23:05
